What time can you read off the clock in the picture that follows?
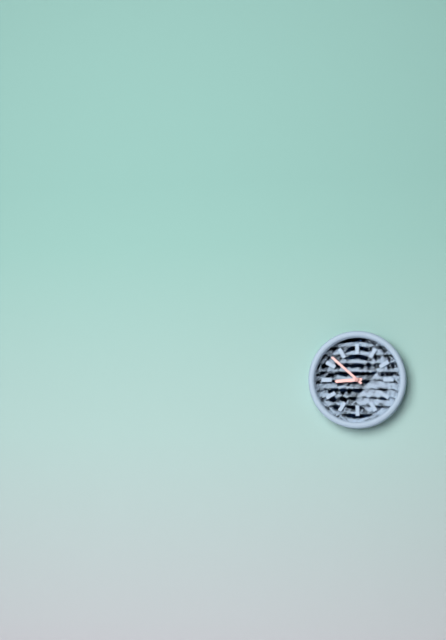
8:52
